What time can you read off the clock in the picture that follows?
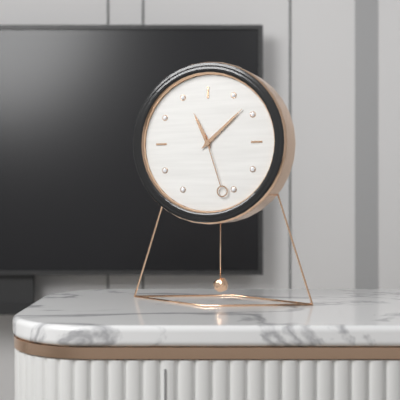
11:08:27
